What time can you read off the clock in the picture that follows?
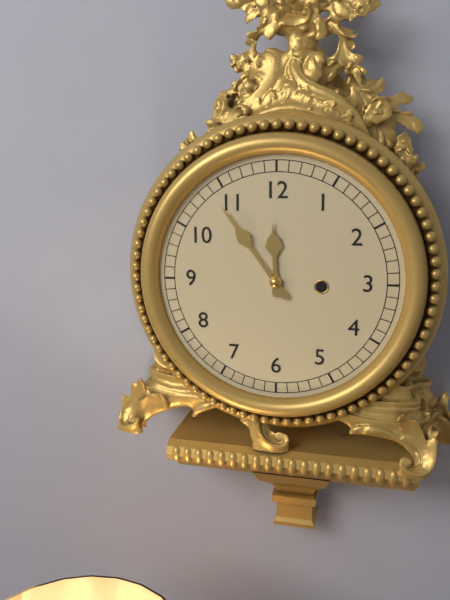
11:54
